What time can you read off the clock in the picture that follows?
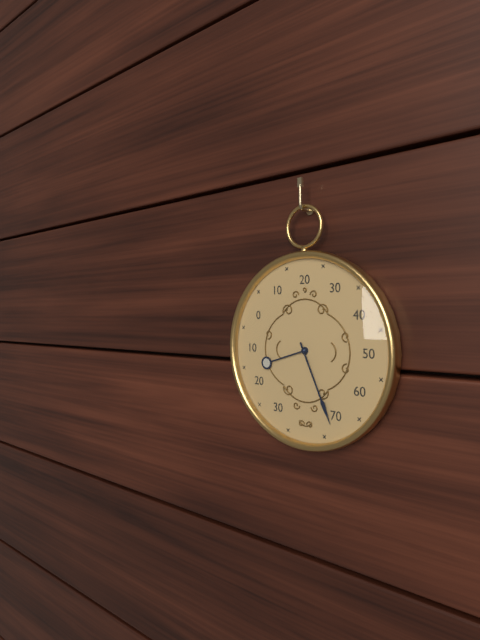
8:26
